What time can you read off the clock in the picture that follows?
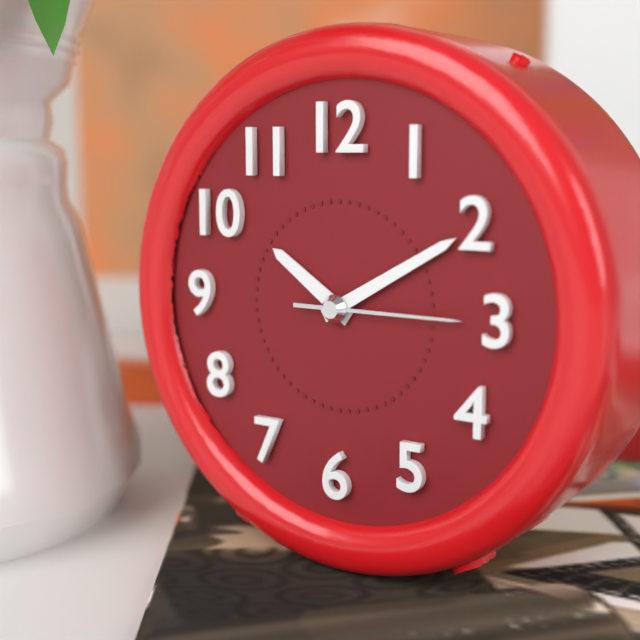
10:10:15
